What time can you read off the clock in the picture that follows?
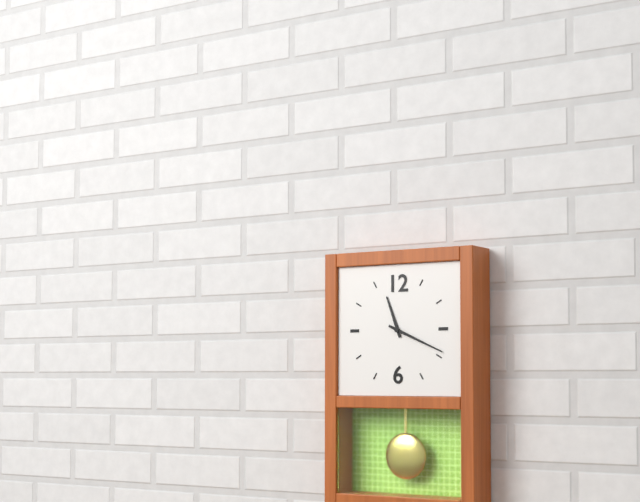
11:19
